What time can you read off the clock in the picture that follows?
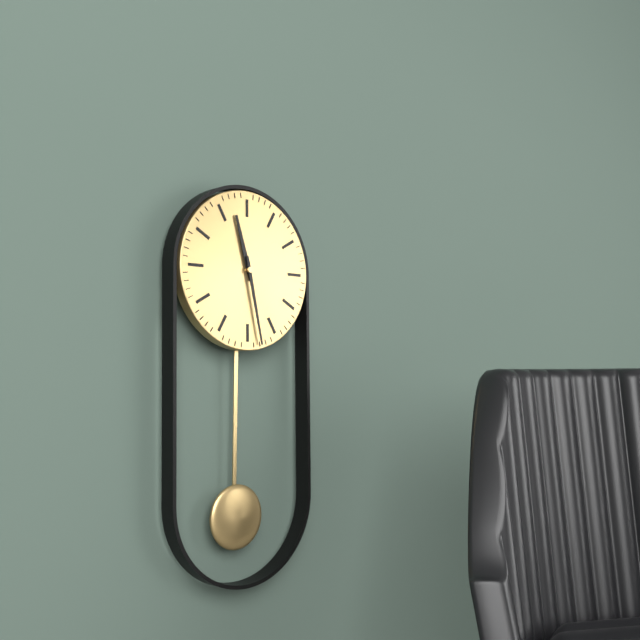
11:28
